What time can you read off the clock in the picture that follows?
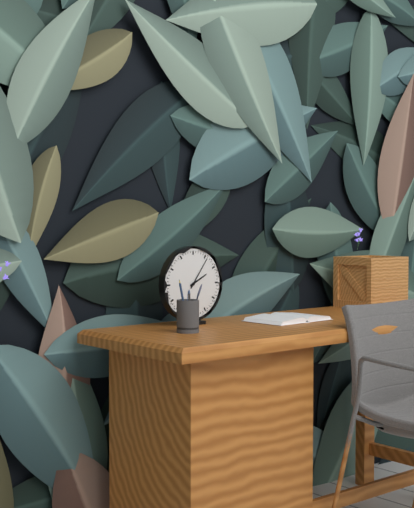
2:06
